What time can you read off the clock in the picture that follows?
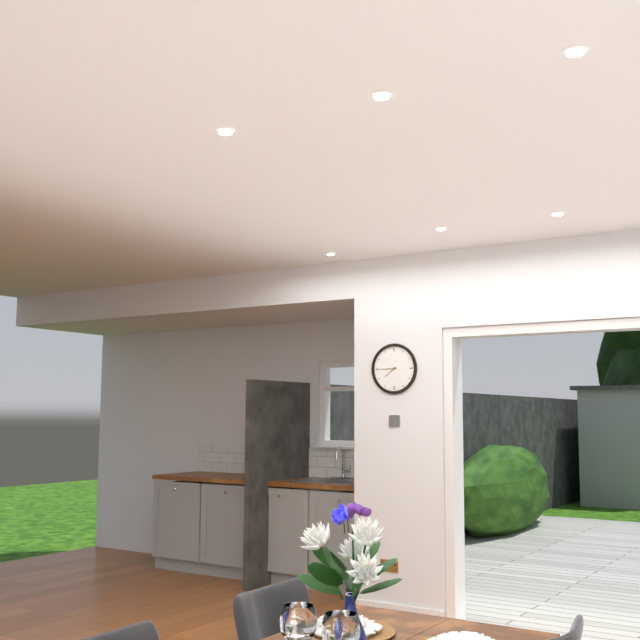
7:45
